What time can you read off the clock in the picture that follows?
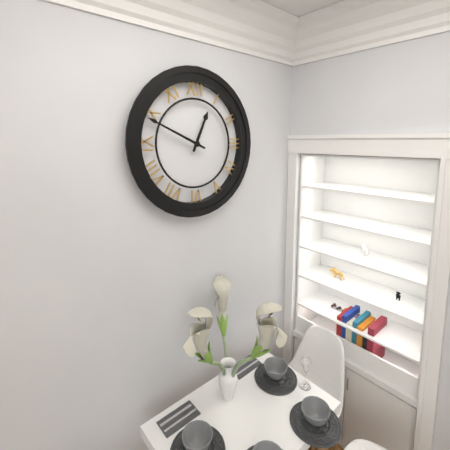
12:49
